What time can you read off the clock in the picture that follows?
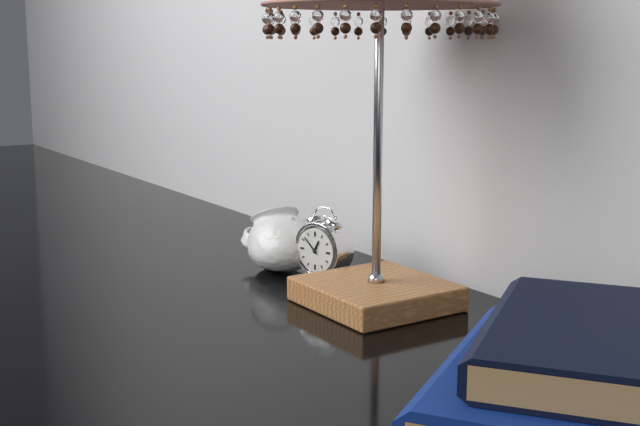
12:52
